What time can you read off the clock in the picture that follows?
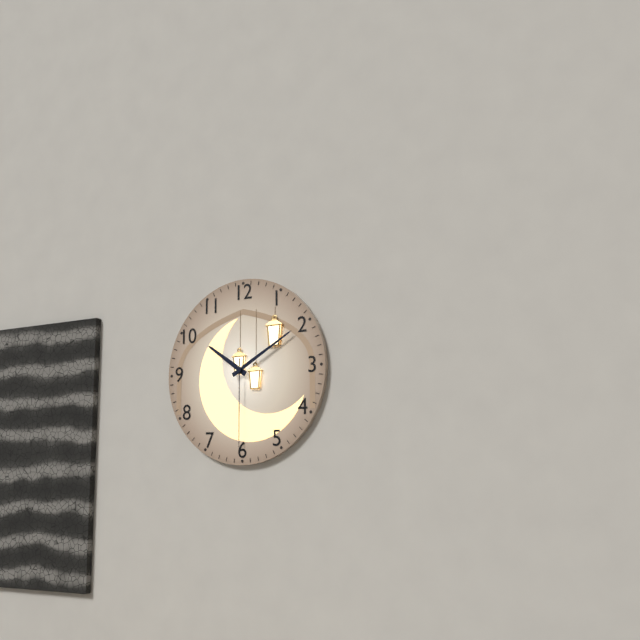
10:10:30
